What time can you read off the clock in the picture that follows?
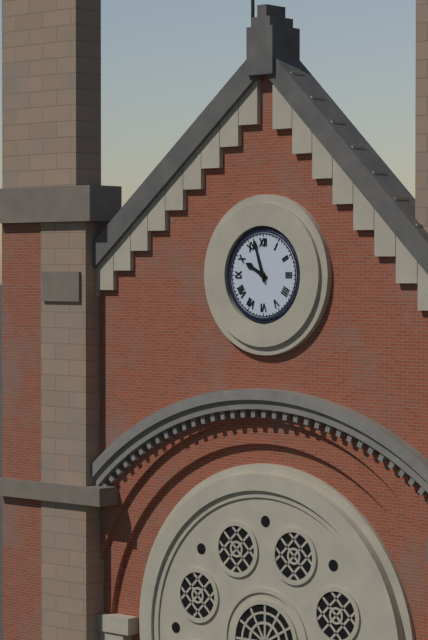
9:57
